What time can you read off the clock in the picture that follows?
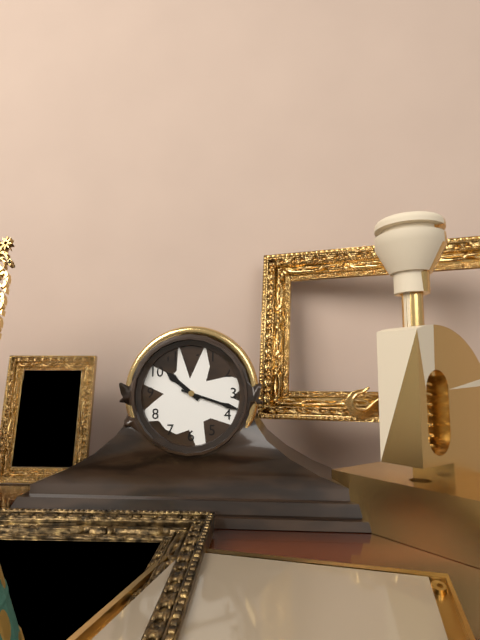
10:18
